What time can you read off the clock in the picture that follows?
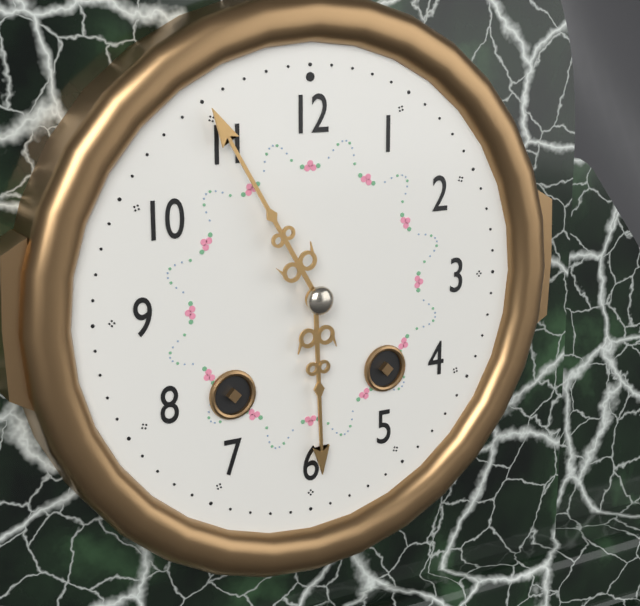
5:55
